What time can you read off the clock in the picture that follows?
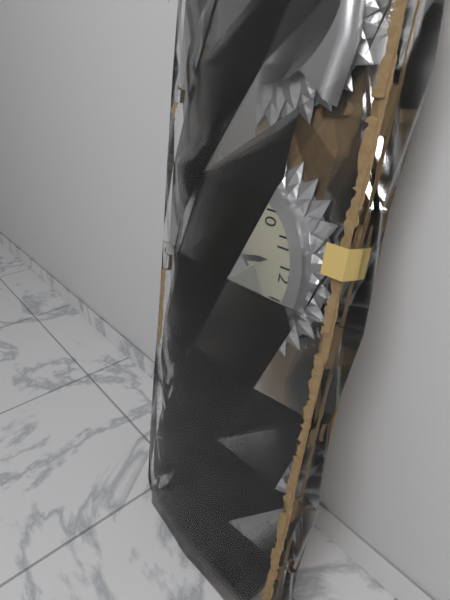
11:36
